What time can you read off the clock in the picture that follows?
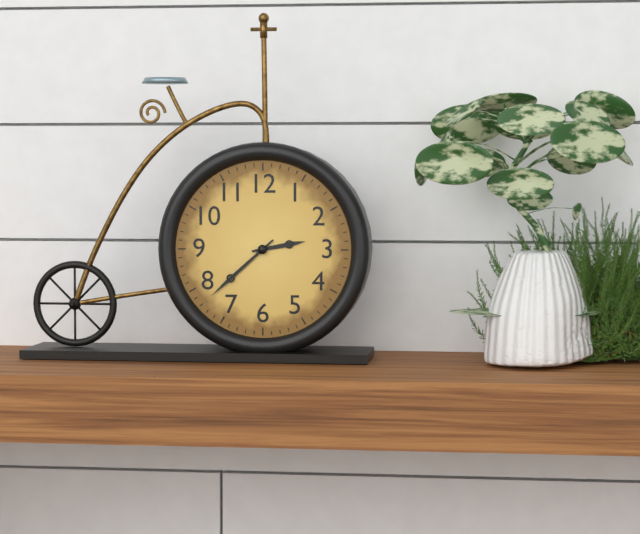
2:38
